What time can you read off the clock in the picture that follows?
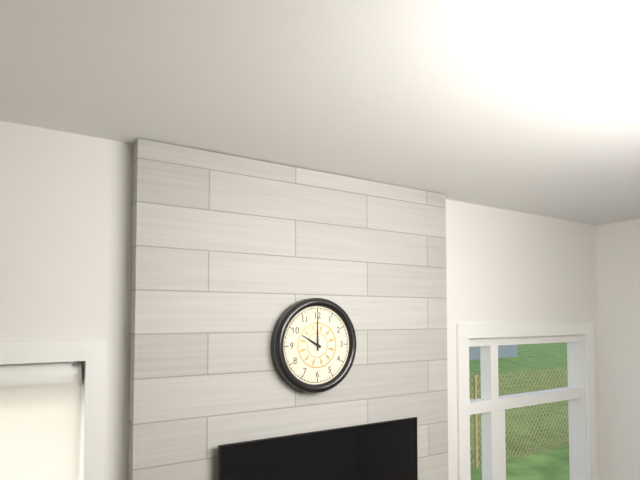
10:00
